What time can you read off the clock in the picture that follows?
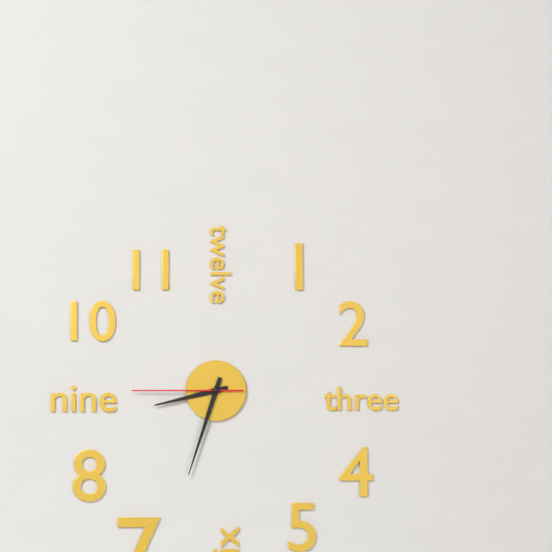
8:33:45
